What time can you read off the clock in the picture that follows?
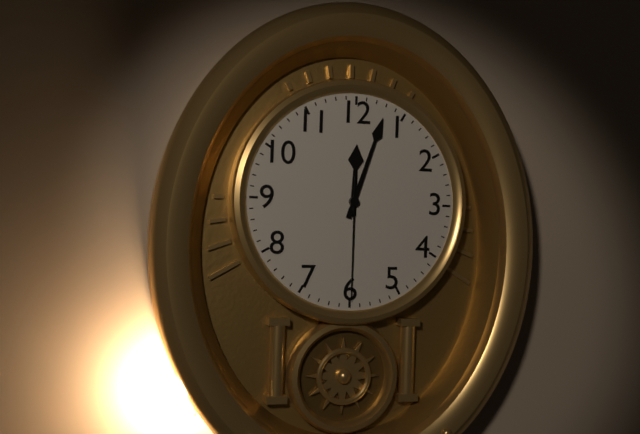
12:03:30
